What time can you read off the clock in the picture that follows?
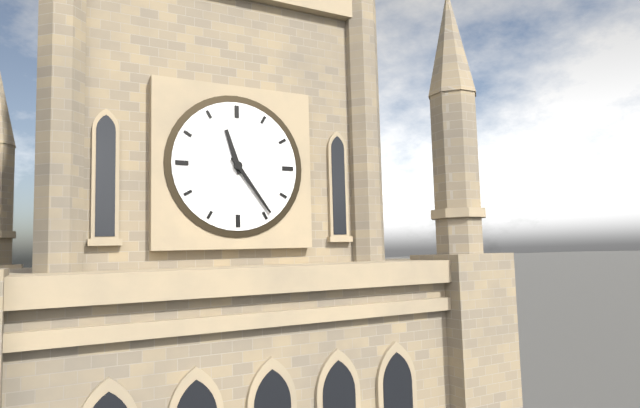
11:24
